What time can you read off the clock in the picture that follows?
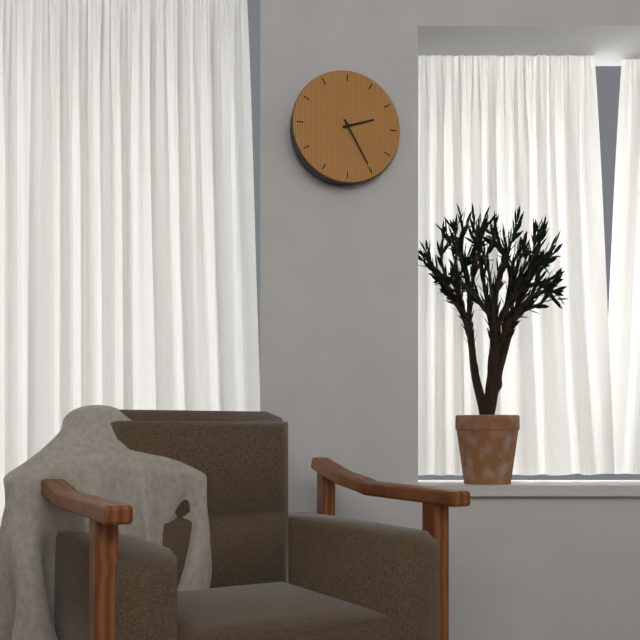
2:25
